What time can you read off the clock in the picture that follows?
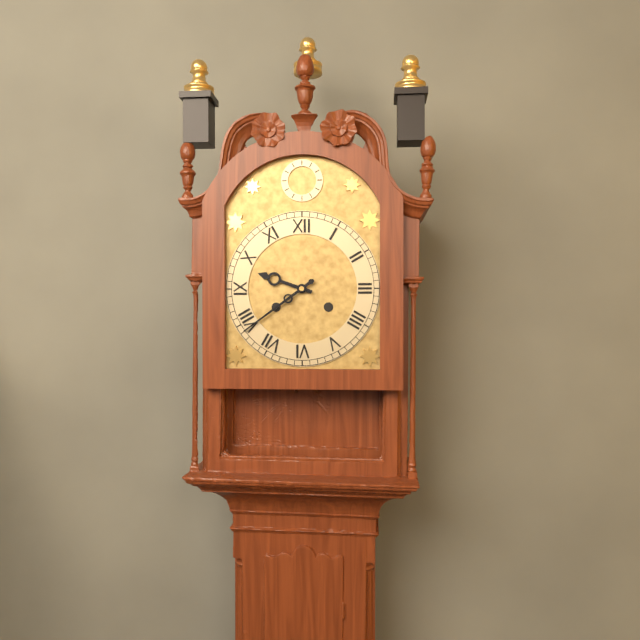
9:39
